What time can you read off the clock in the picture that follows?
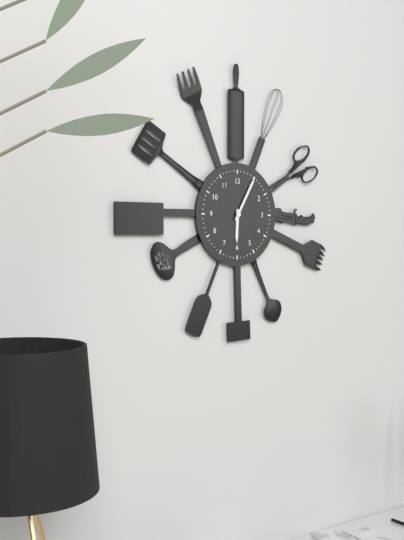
6:05
